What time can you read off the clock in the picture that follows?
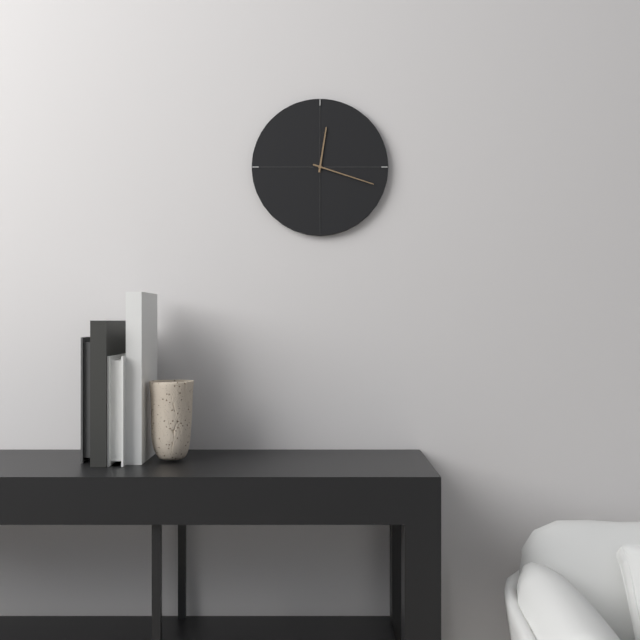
12:18
